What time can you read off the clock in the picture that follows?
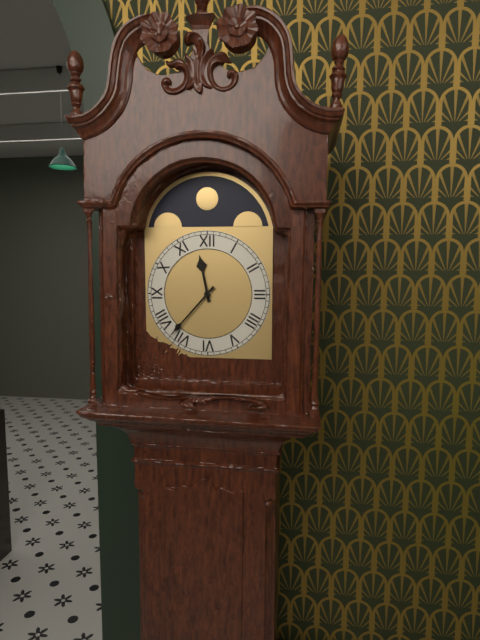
11:37
